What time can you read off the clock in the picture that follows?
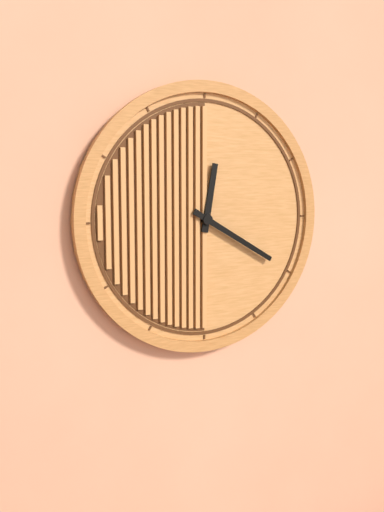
12:20
